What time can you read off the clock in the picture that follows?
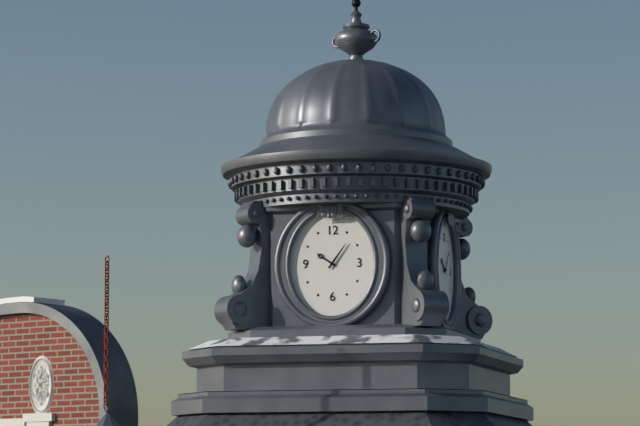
10:06
